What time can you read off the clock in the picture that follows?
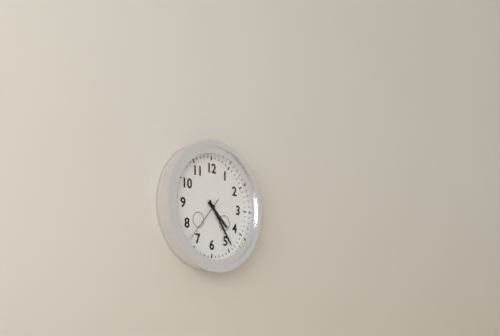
4:24
